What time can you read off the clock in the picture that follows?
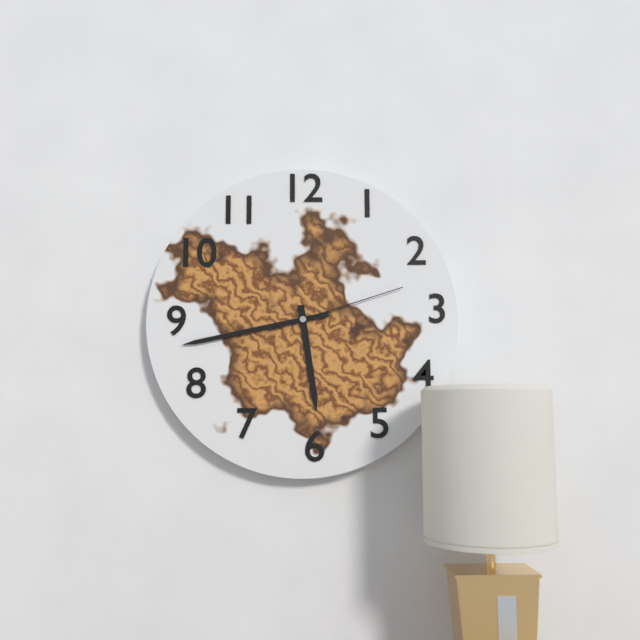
5:43:12
